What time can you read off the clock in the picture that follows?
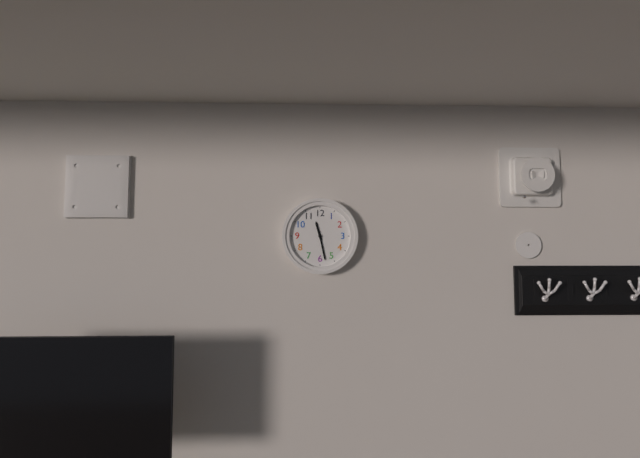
11:28
